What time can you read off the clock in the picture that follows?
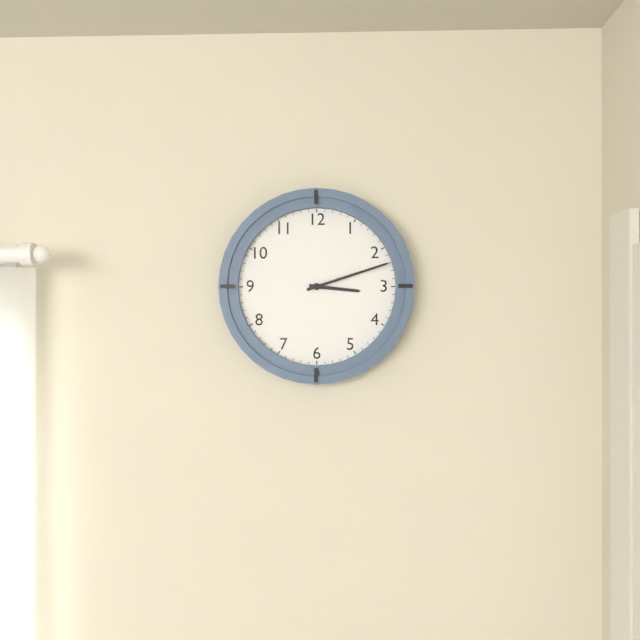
3:12
